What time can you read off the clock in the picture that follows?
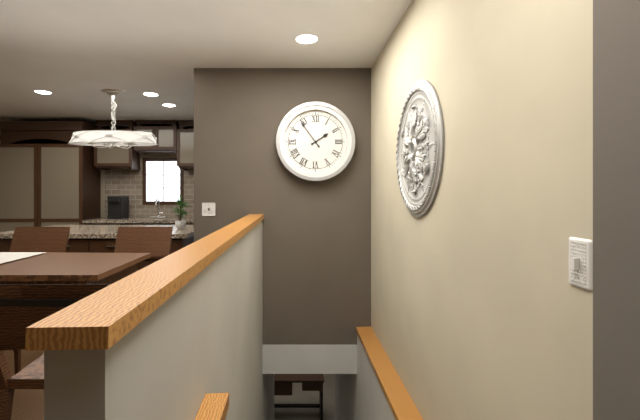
1:54
